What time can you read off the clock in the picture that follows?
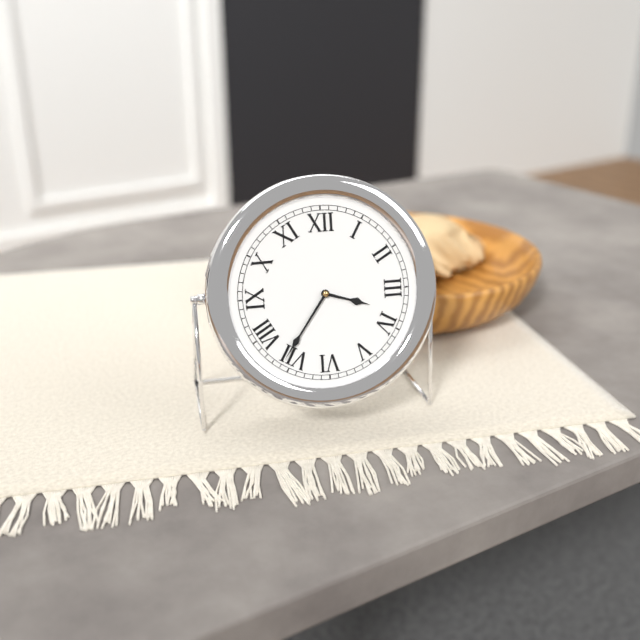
3:36
